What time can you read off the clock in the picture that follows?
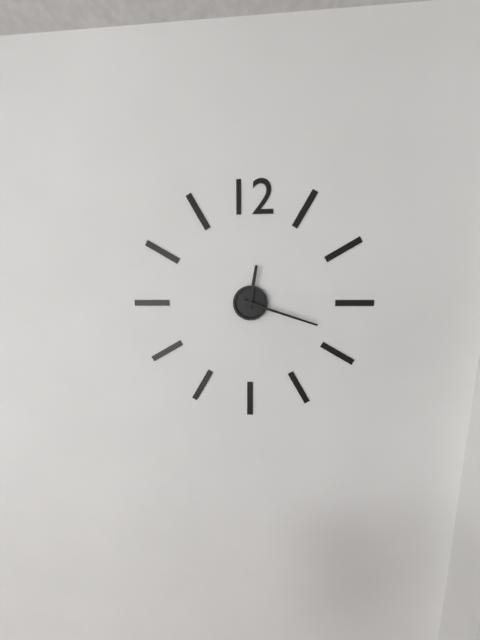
12:18
